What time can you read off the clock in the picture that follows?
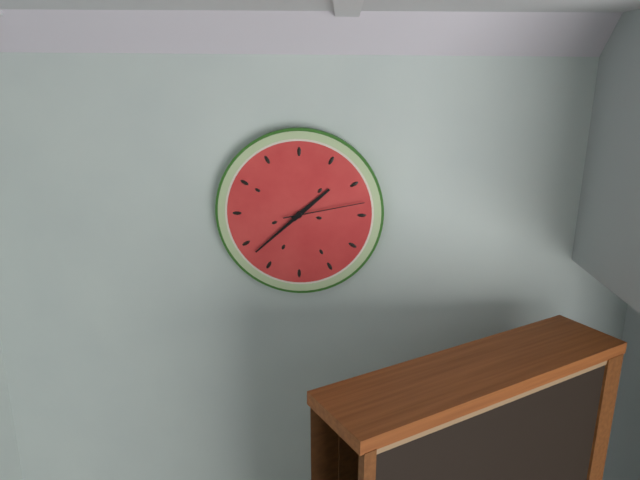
1:38:13
